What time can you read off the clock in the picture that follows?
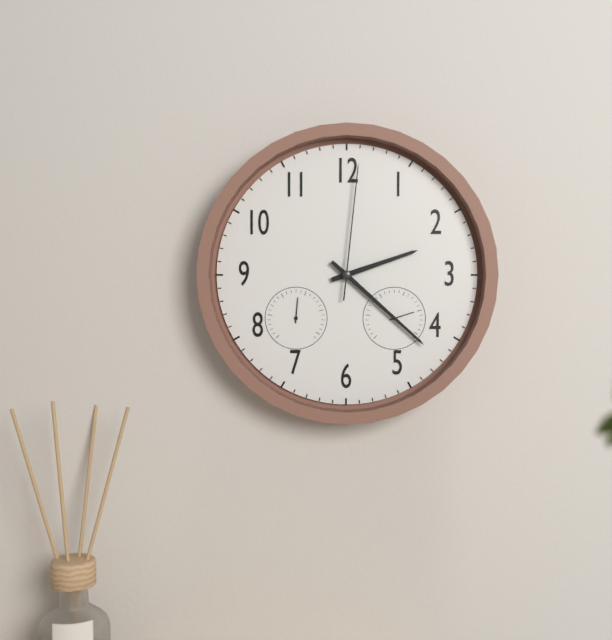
2:22:01
